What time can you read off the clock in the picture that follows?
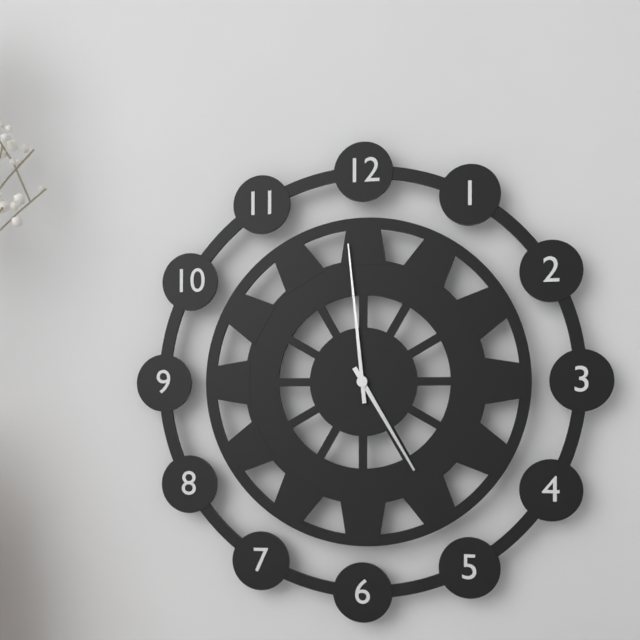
4:59
